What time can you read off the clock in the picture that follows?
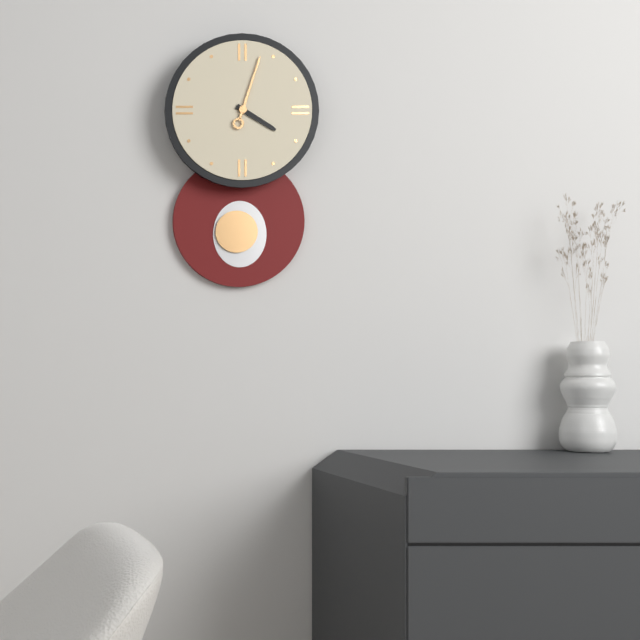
4:03
